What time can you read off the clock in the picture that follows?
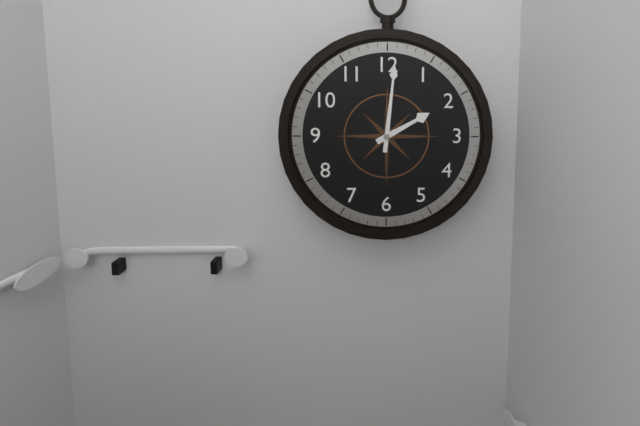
2:01
